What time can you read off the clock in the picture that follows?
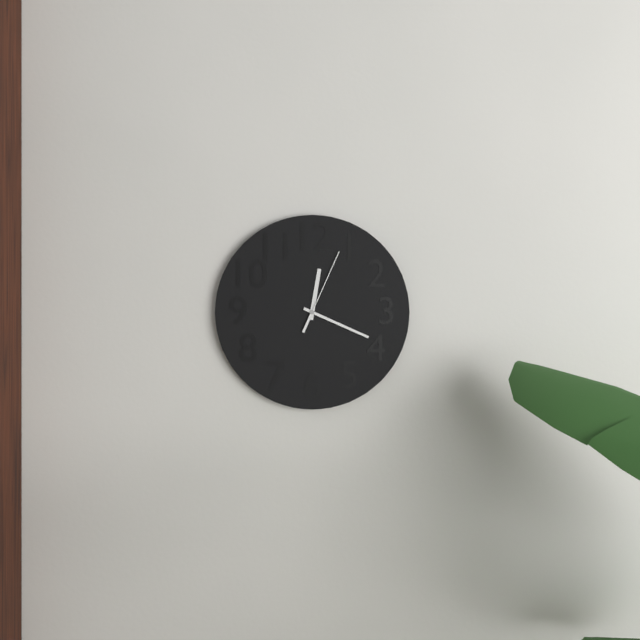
12:19:04
